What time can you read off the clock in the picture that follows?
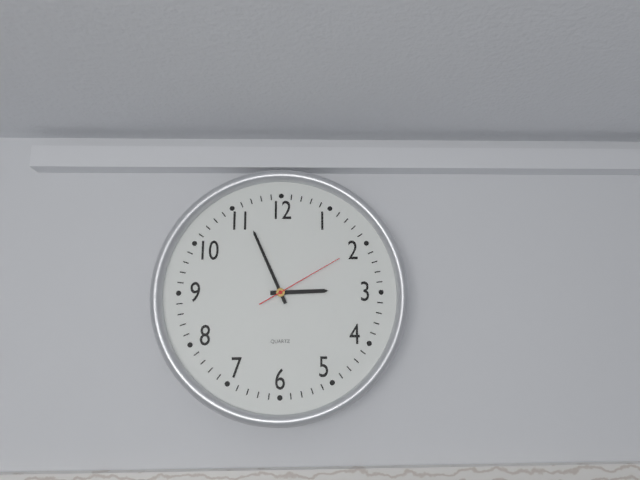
2:56:10
